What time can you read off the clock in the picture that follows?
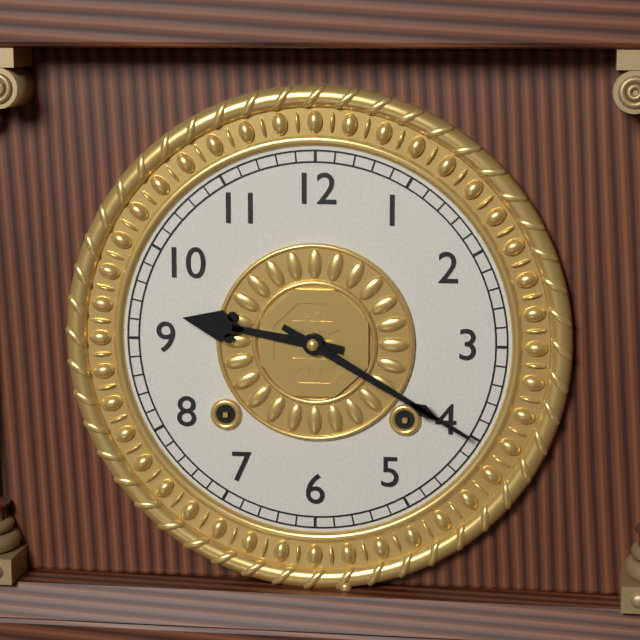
9:20
